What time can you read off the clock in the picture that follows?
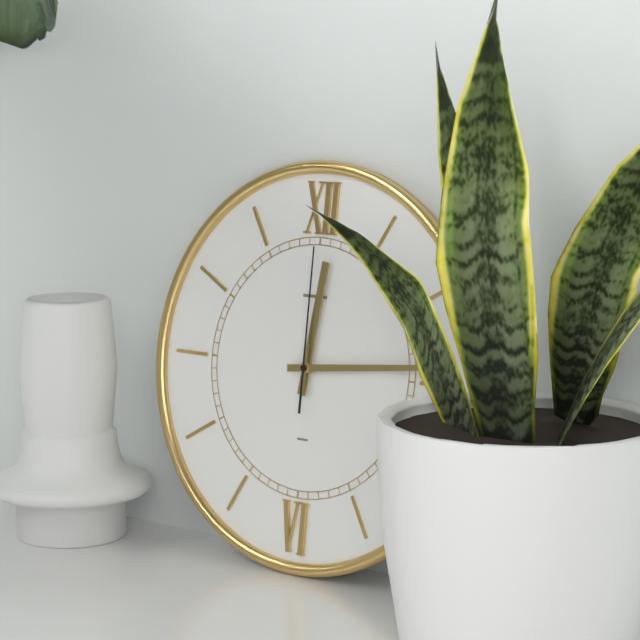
12:14:00
